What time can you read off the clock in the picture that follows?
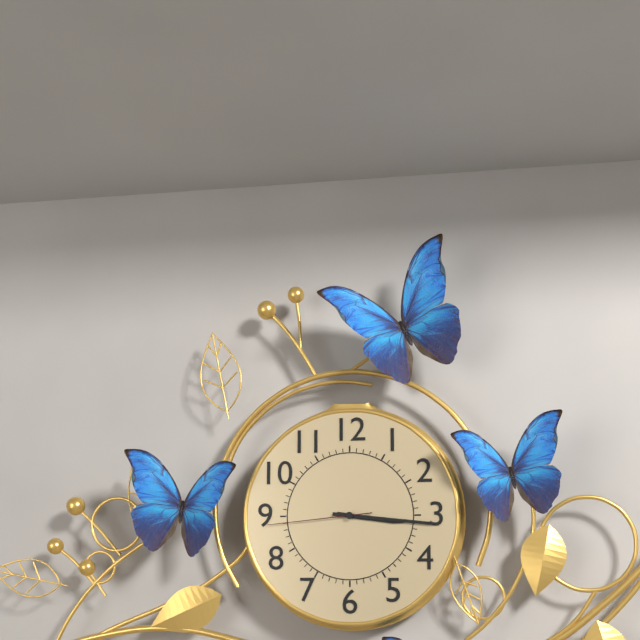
3:16:44
